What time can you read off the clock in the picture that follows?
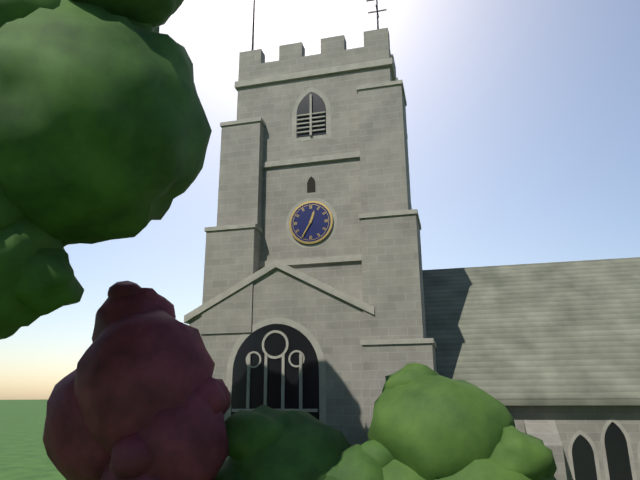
12:35
